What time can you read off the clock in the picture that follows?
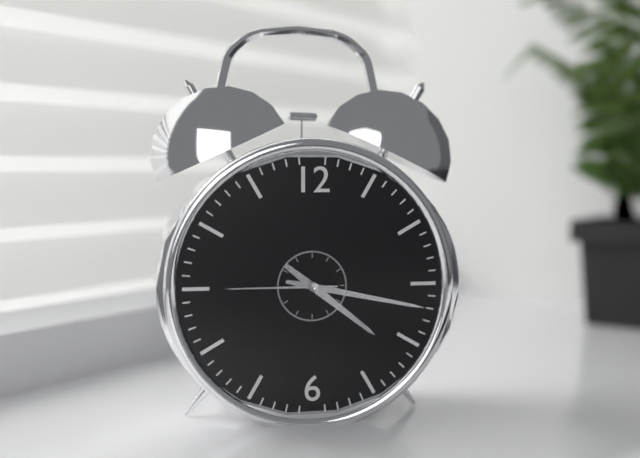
4:17:45
